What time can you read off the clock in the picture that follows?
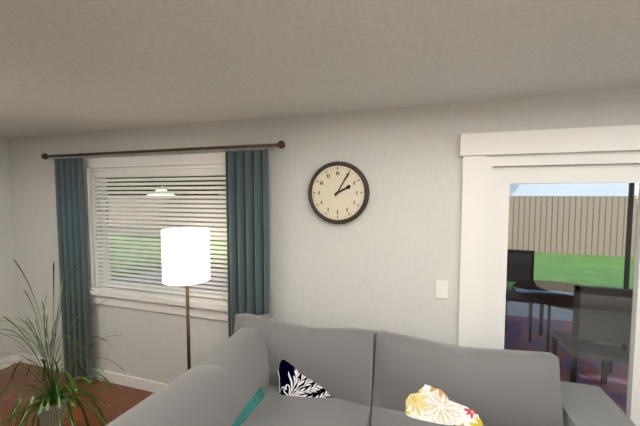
2:05
